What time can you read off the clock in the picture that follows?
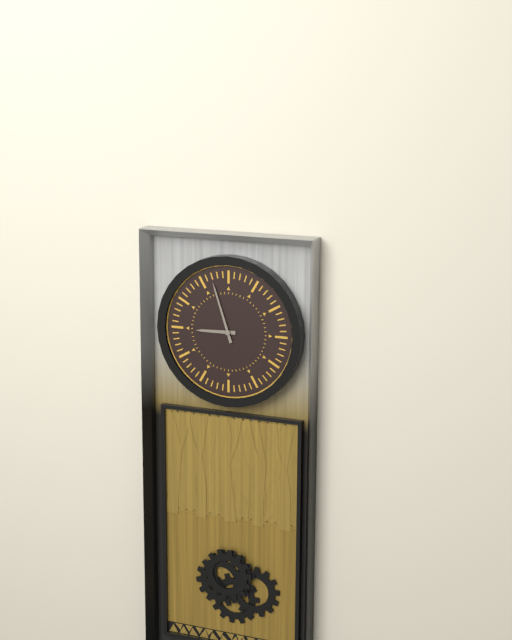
8:57
